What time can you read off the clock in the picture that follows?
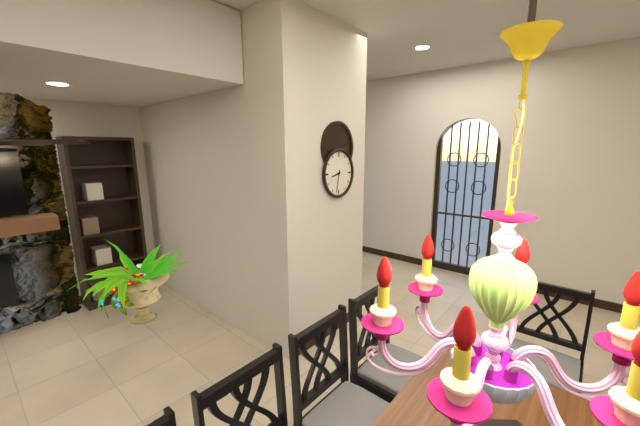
8:32
